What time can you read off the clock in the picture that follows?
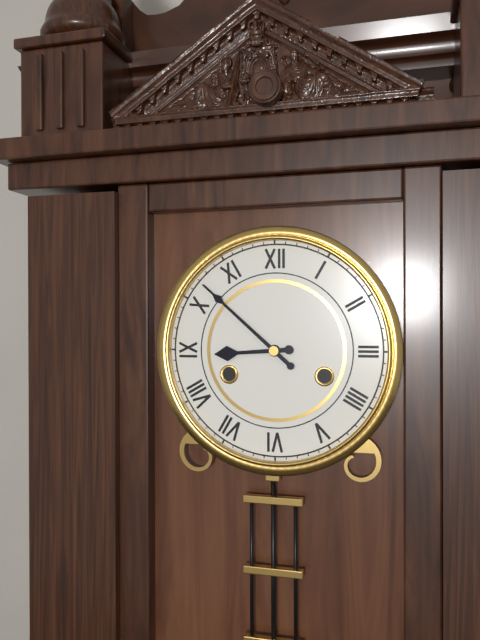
8:52
